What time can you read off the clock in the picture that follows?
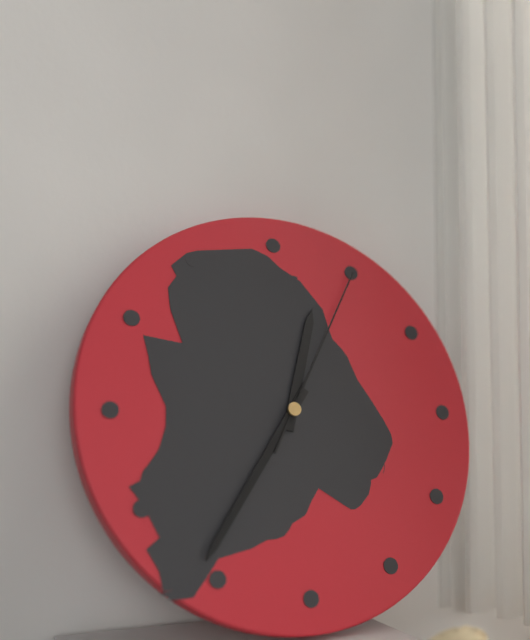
12:36:05
